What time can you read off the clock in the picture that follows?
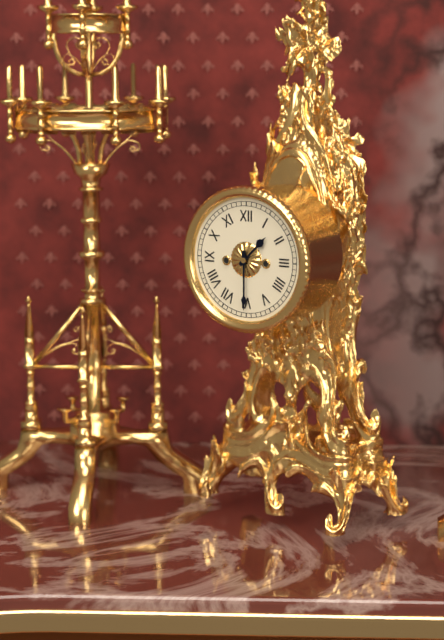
1:30
